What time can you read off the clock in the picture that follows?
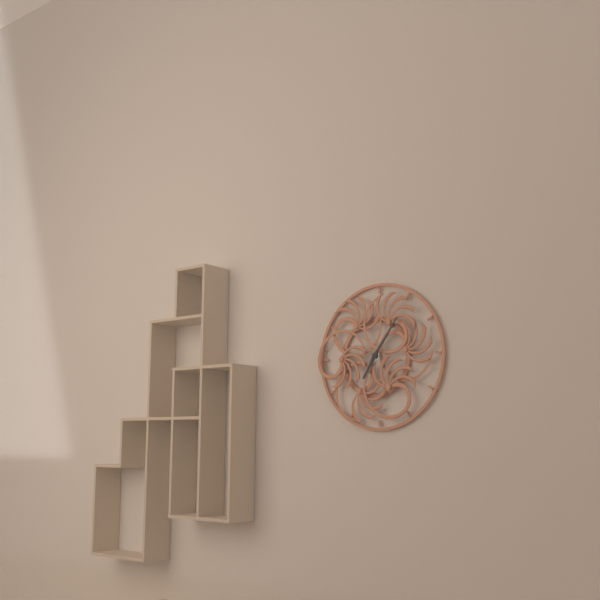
7:06
